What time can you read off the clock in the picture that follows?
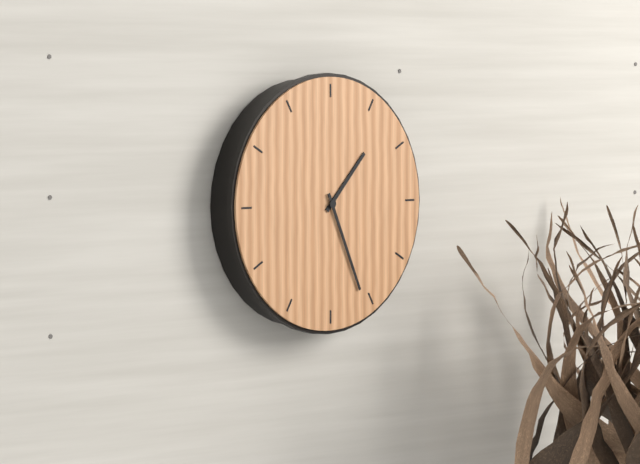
1:26
